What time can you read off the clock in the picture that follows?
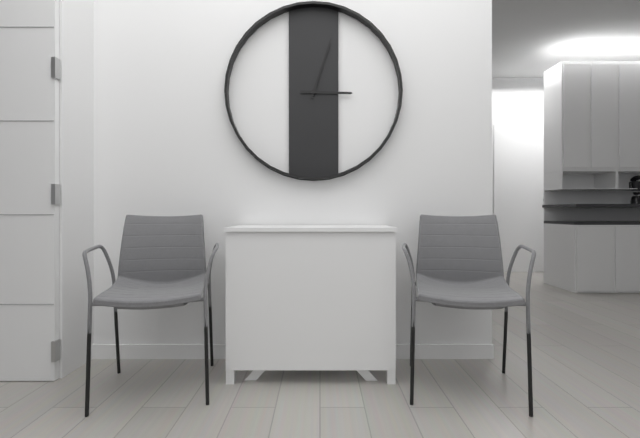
3:03
